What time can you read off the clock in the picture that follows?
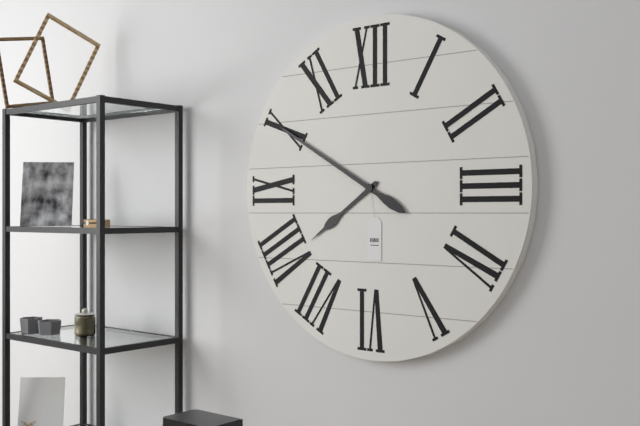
7:50
